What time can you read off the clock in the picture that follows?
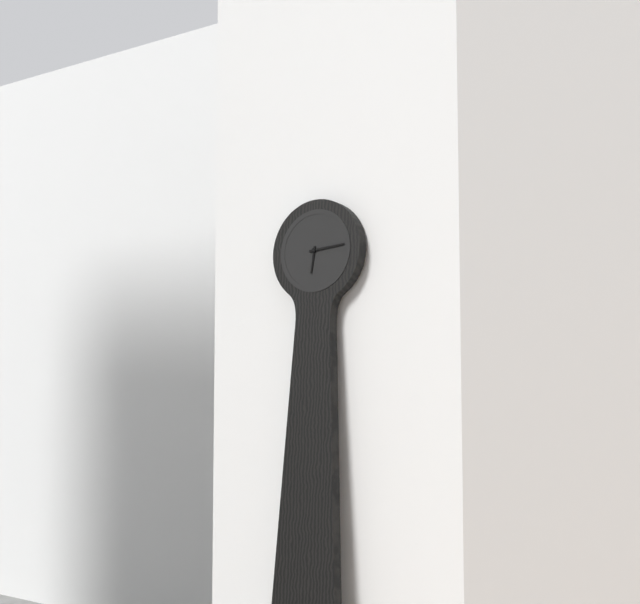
6:14
